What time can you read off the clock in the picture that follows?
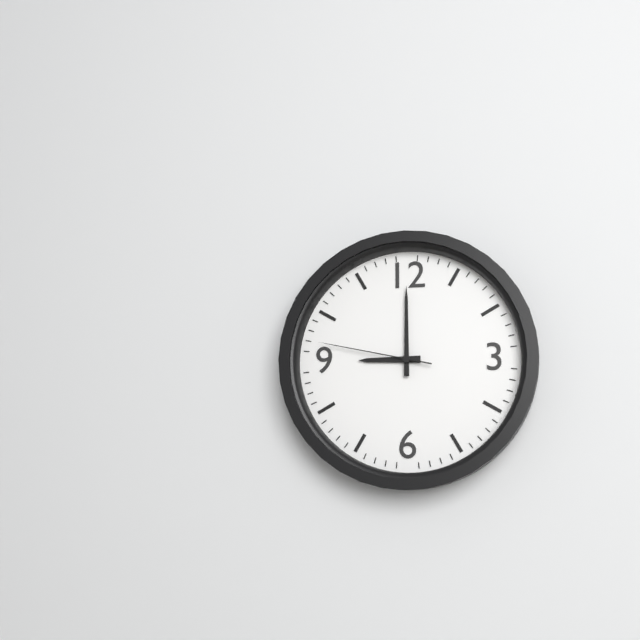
9:00:47
